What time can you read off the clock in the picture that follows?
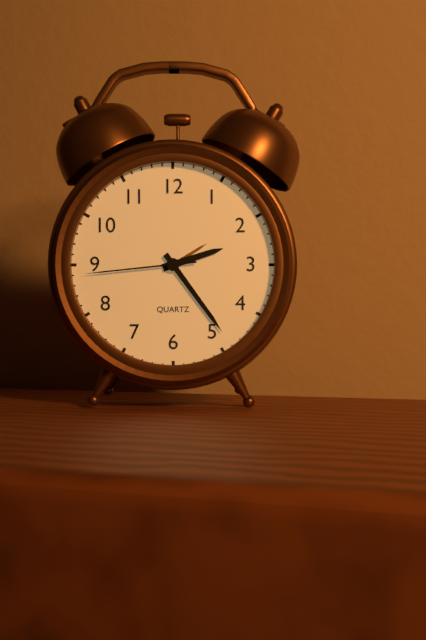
2:24:44
